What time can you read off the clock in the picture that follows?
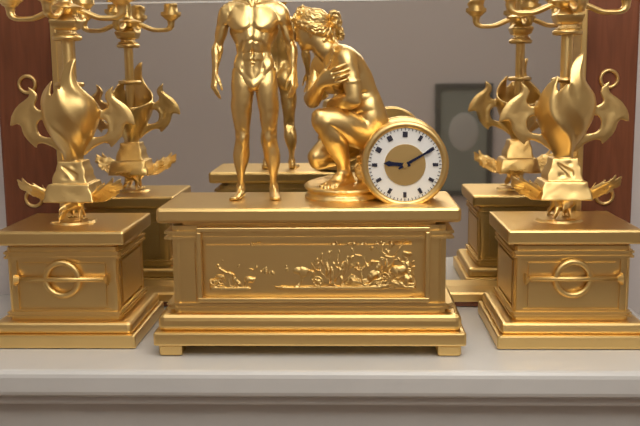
9:10
